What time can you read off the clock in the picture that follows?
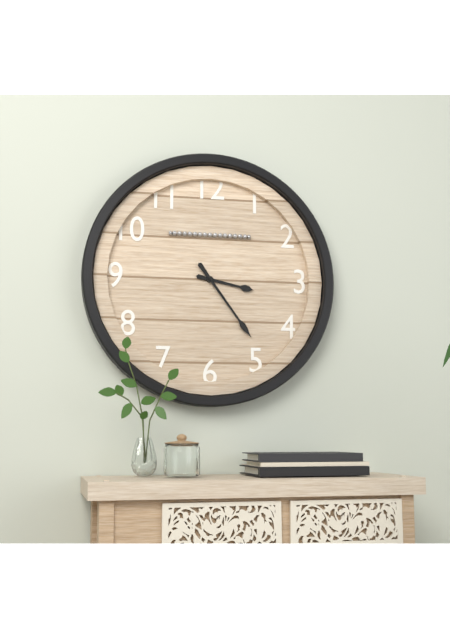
3:24
